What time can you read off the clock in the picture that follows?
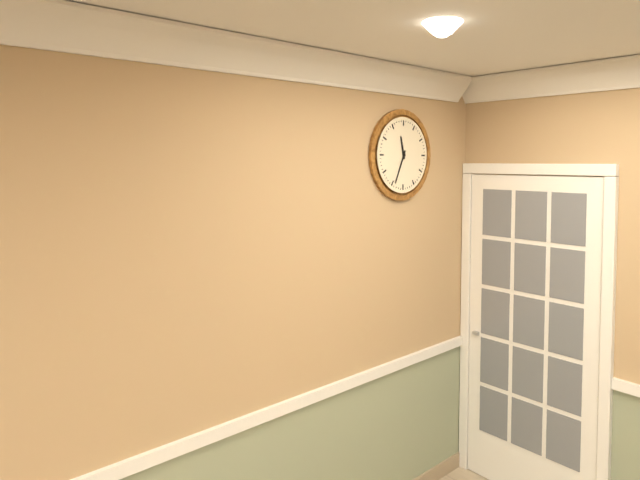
11:34
